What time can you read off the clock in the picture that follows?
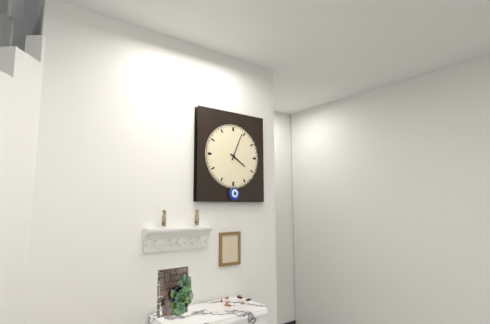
4:04
